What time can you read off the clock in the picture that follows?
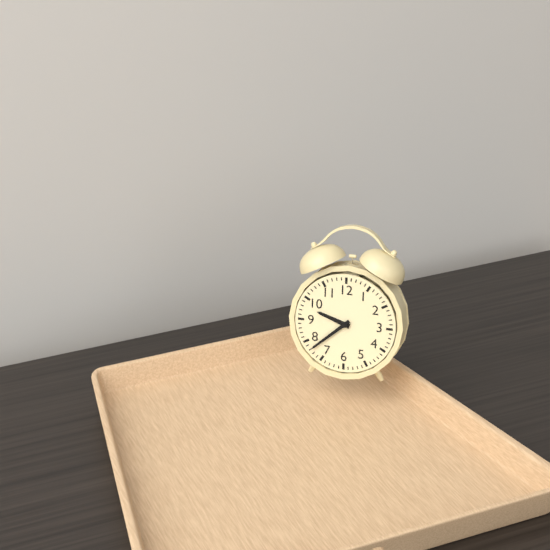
9:38
